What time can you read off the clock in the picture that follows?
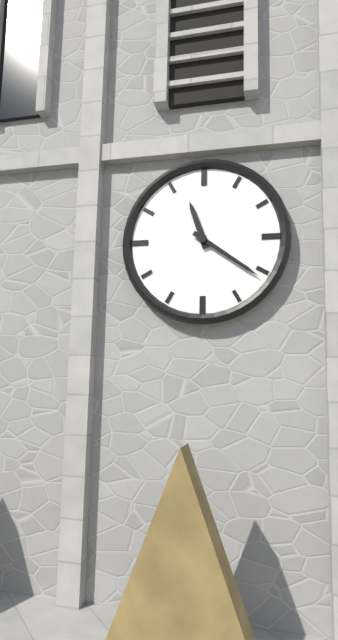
11:21
